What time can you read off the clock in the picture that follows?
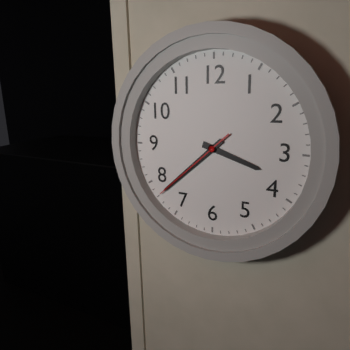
3:38:38
